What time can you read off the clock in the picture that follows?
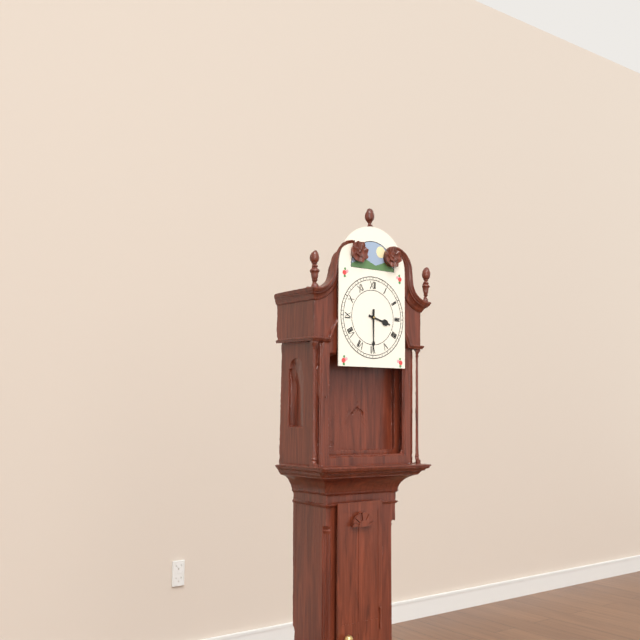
3:30
